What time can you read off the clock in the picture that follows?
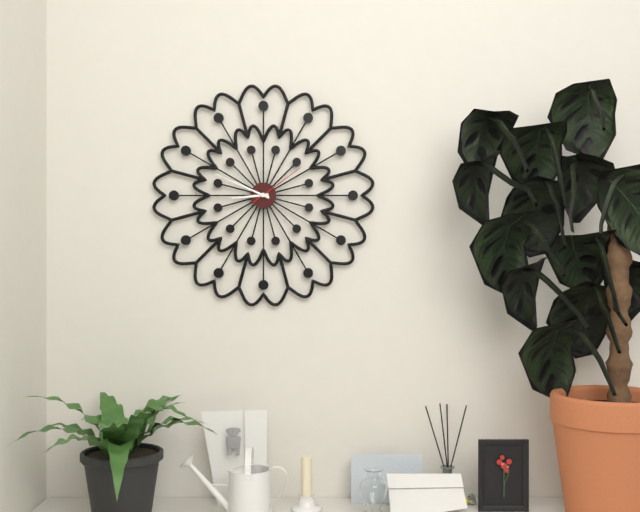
8:49:09
